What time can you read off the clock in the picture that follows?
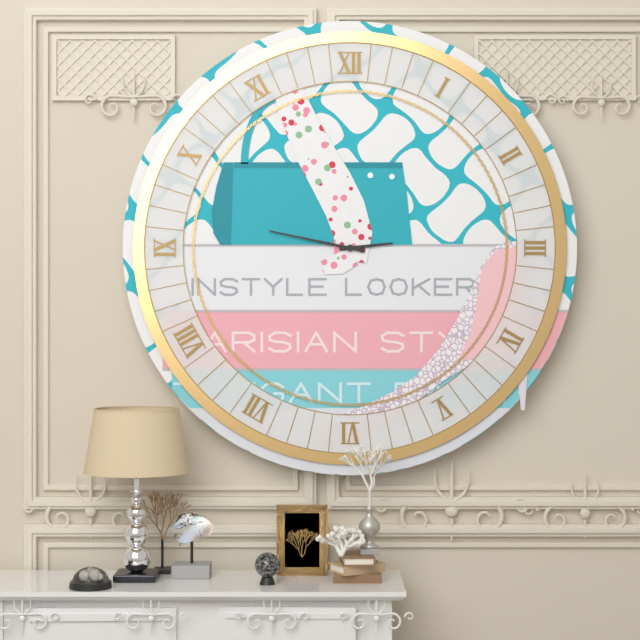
2:47
